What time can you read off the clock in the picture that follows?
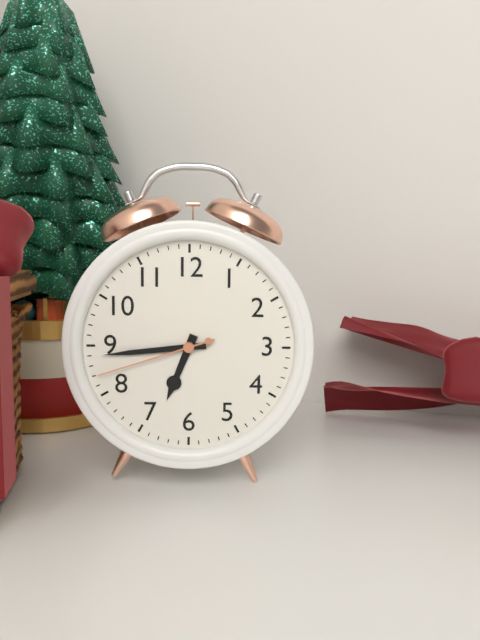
6:44:42
